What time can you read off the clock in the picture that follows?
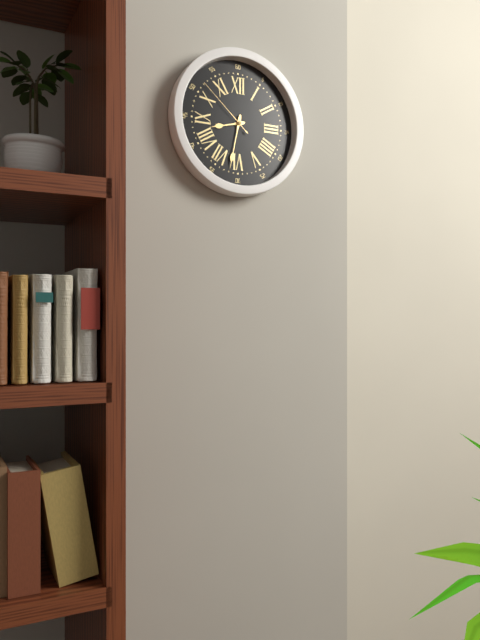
8:32:52
